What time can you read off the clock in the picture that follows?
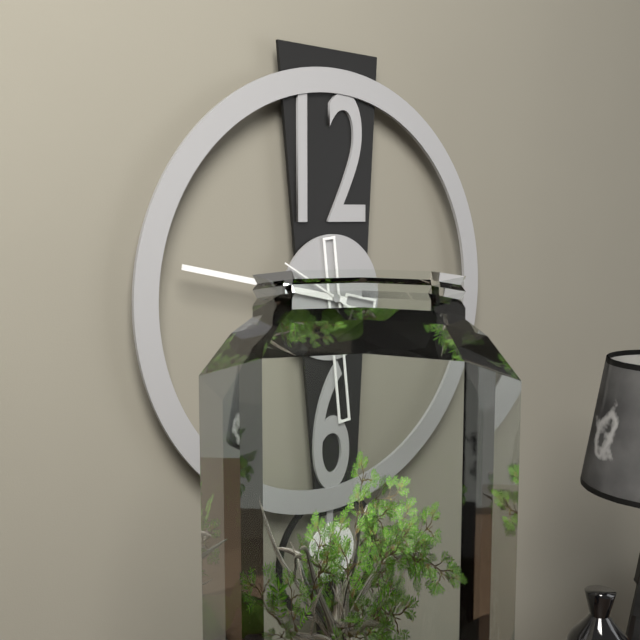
5:47:50
